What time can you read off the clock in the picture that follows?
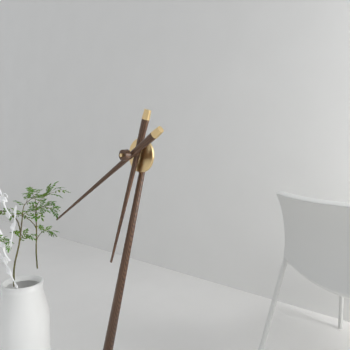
6:40
